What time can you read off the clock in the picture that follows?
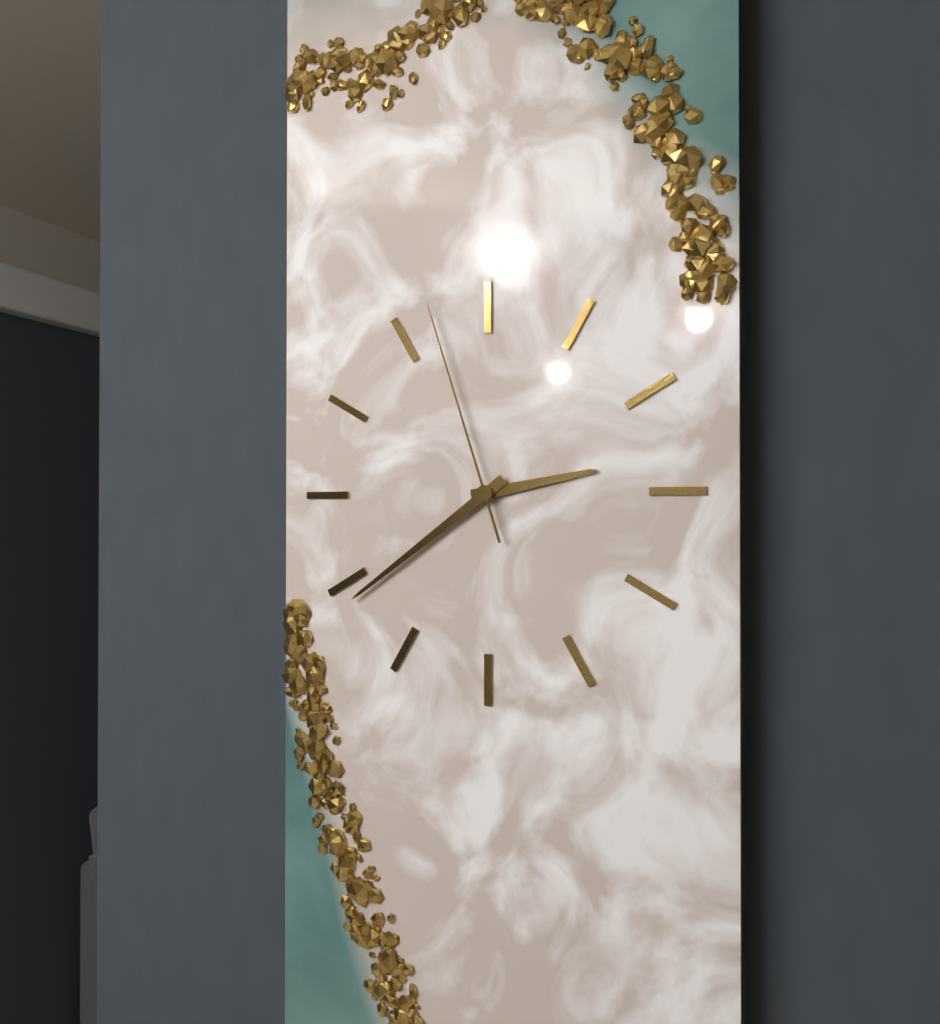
2:39:57
